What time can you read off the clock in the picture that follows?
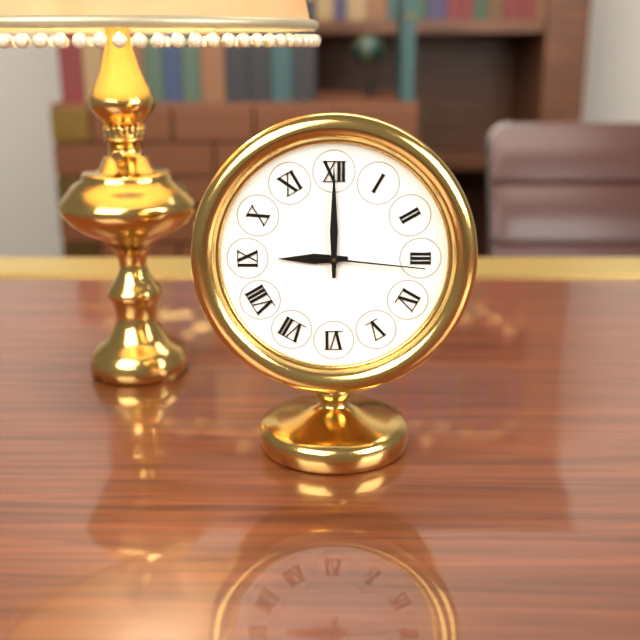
9:00:16
